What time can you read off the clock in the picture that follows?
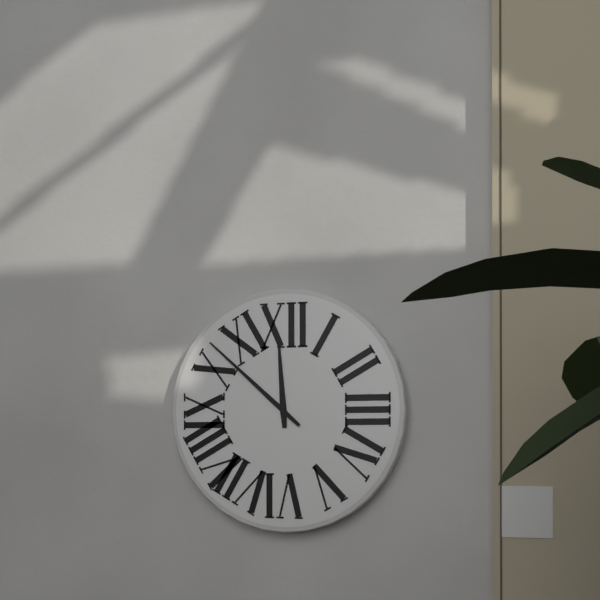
11:52
